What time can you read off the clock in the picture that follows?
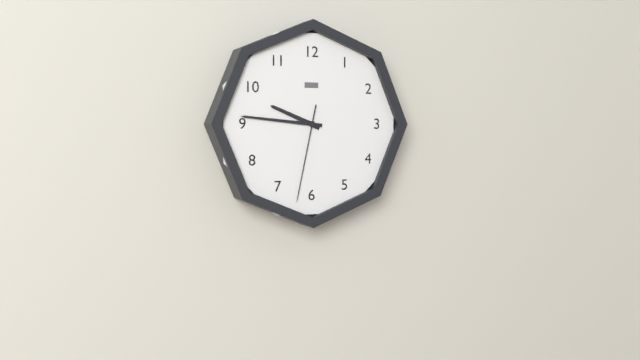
9:46:32
